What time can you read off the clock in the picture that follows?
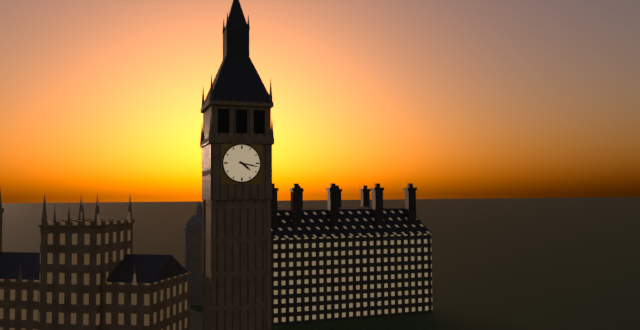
4:17
